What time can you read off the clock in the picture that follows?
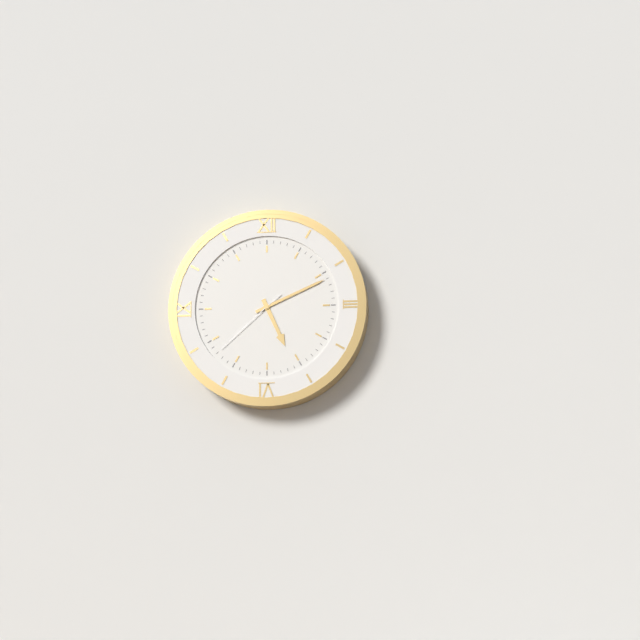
5:11:38
